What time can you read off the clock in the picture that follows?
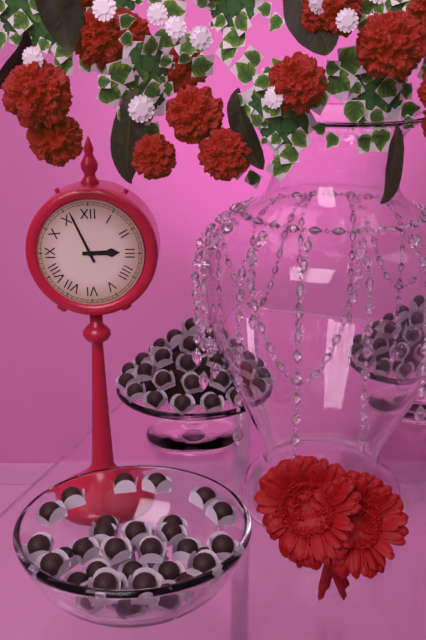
2:56
